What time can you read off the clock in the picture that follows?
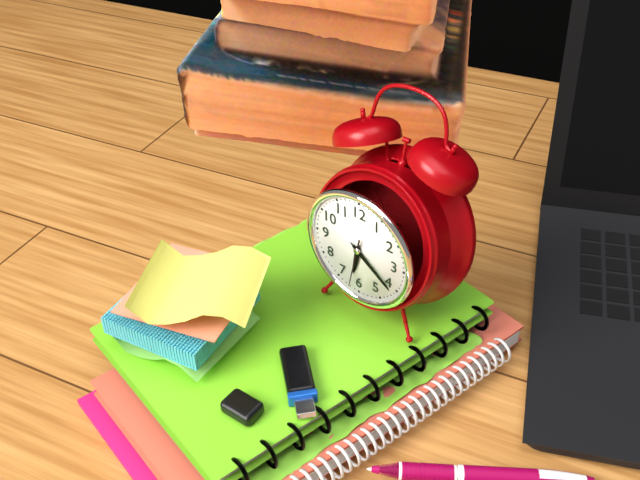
6:21
